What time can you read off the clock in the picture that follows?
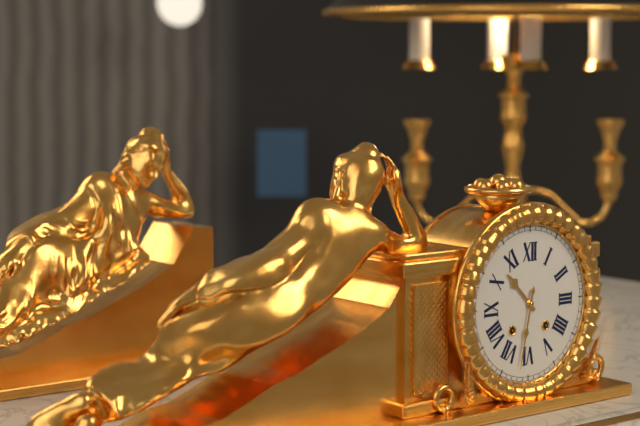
10:32
